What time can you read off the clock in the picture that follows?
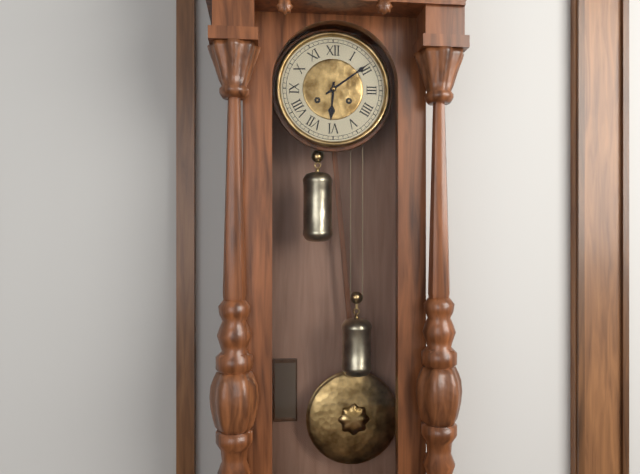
6:09
